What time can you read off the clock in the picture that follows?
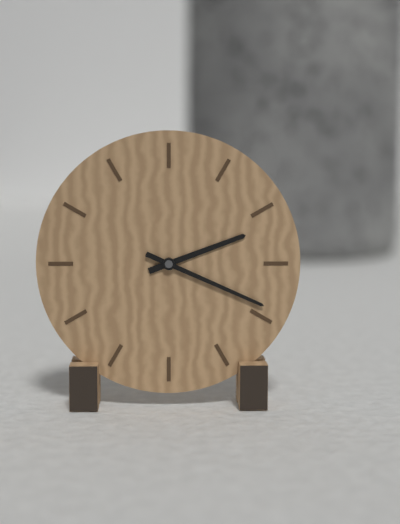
2:19
